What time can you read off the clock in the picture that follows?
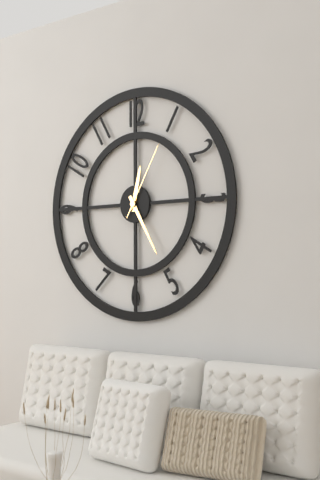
12:25:05
